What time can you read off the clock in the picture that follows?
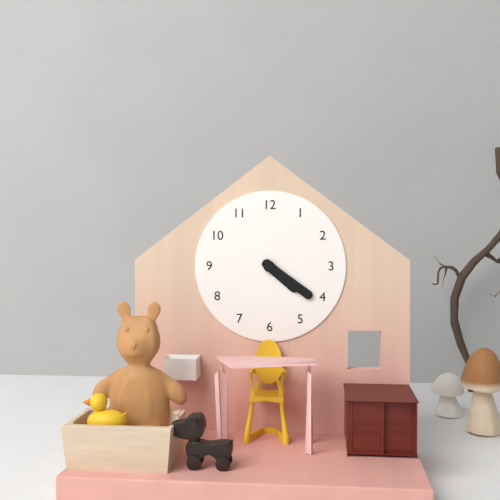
4:21
